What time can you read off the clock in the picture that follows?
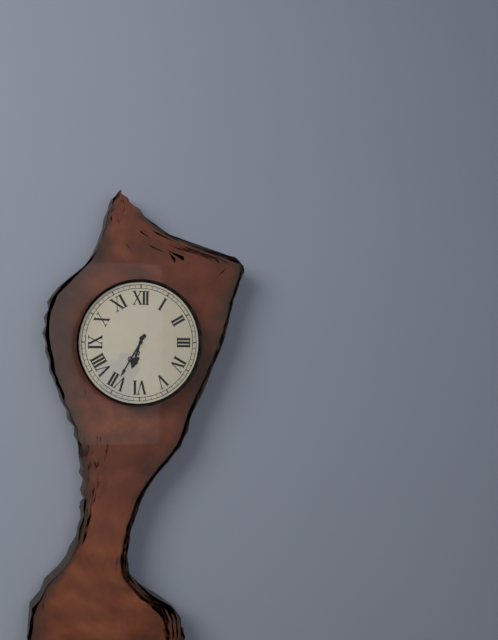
6:35
